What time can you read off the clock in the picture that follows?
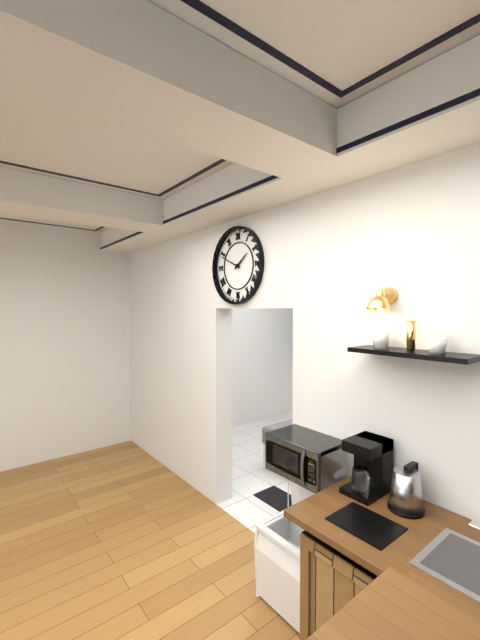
1:49
